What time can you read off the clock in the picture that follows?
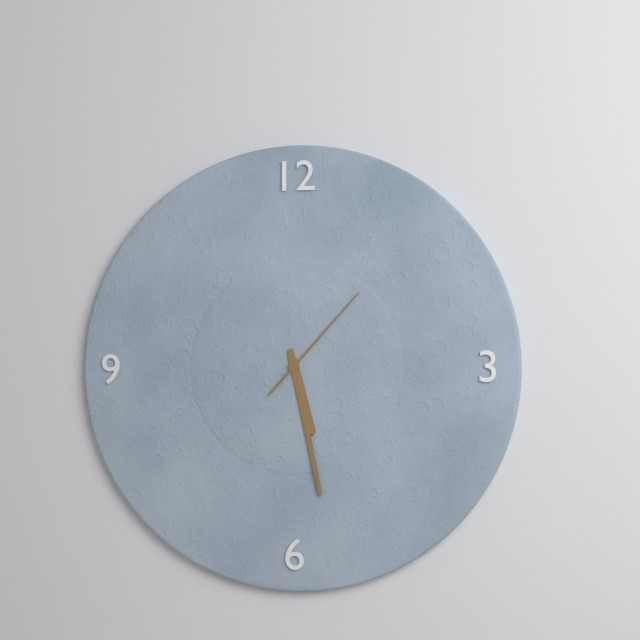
5:28:07
